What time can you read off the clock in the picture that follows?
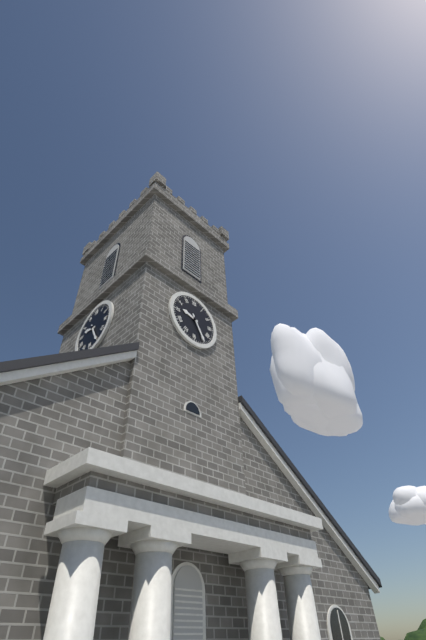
9:25
